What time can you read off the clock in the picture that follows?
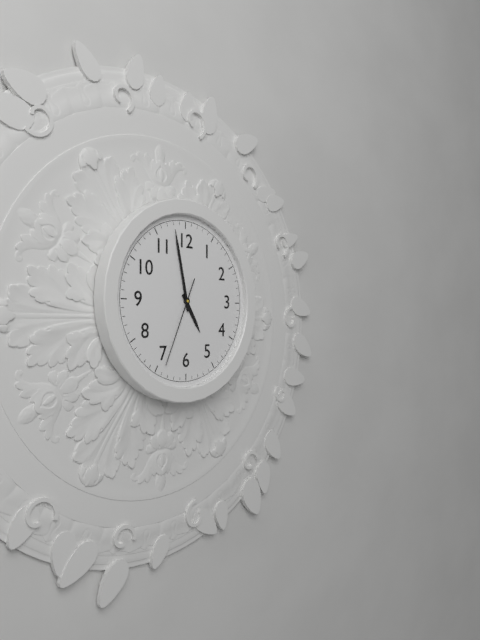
4:58:34
